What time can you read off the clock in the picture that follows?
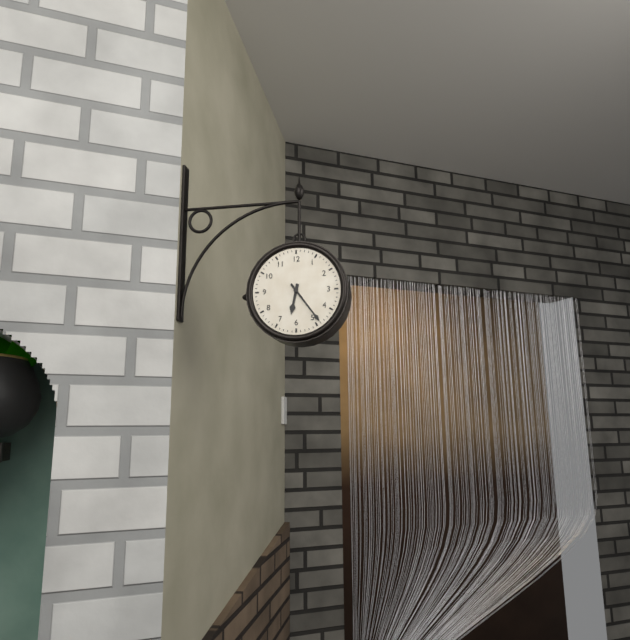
6:24
